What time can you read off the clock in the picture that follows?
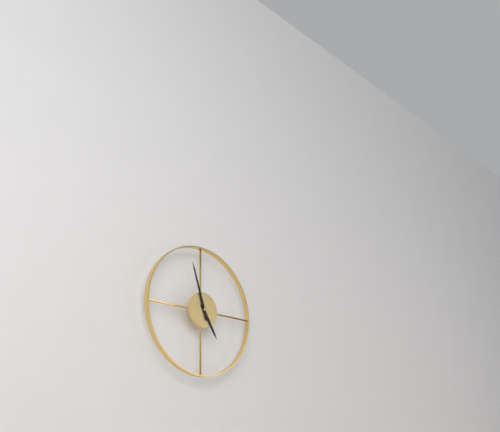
4:57
